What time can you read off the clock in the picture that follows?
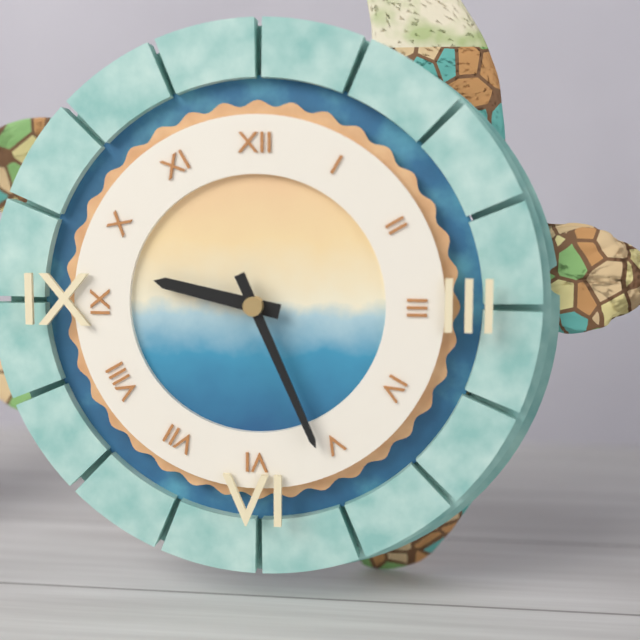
9:26
